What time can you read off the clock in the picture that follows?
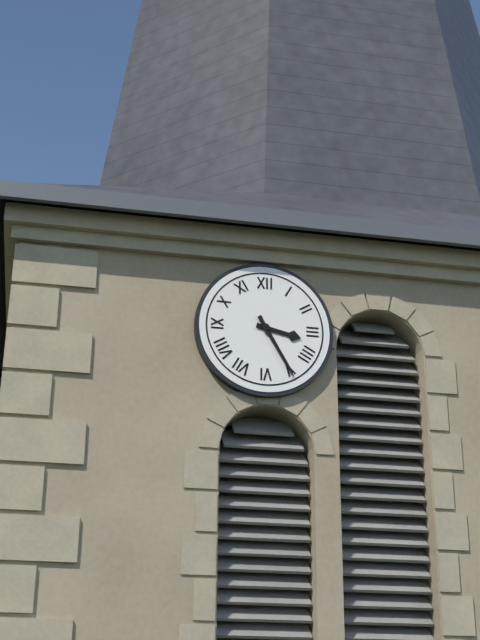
3:25
